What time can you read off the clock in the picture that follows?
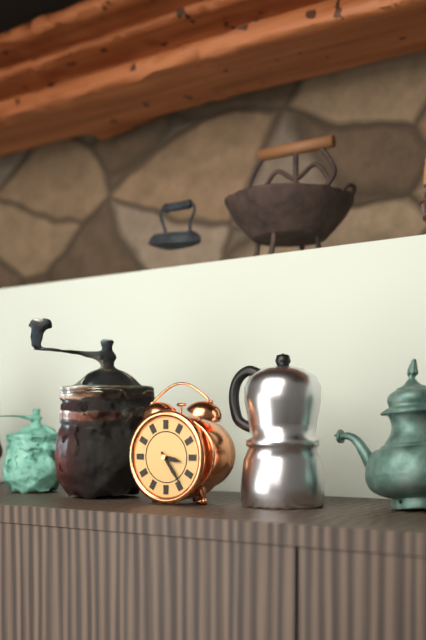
3:24
